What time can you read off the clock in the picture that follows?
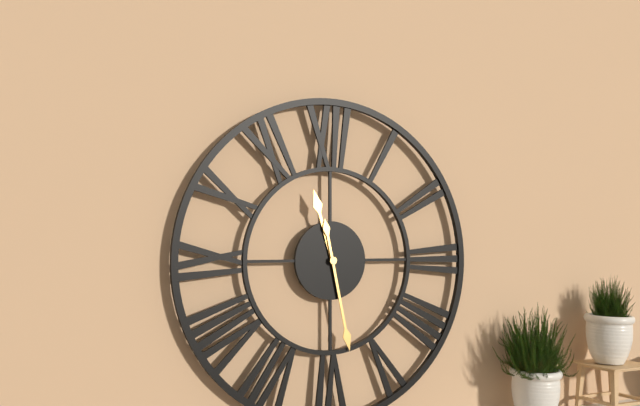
11:28
